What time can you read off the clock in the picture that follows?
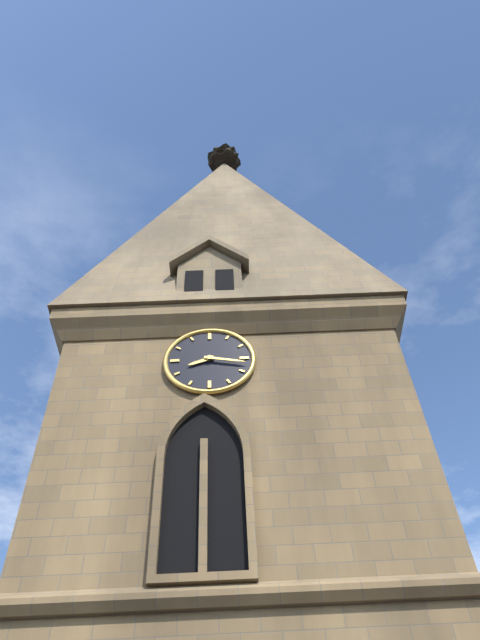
8:17
